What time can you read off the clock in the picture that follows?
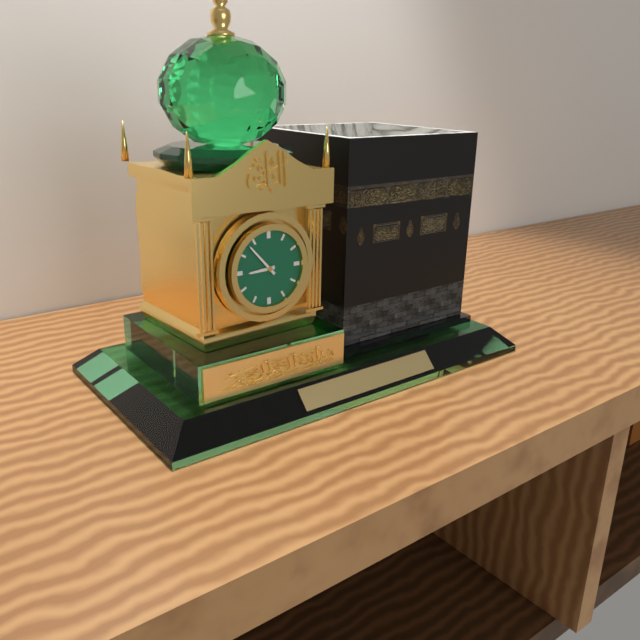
8:53
